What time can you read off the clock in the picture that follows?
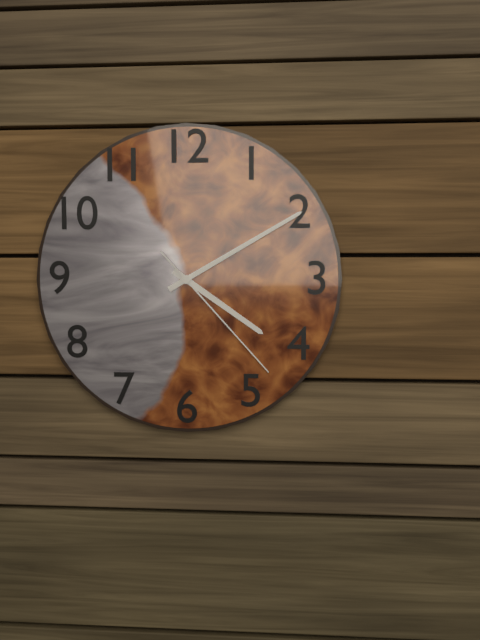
4:10:23
